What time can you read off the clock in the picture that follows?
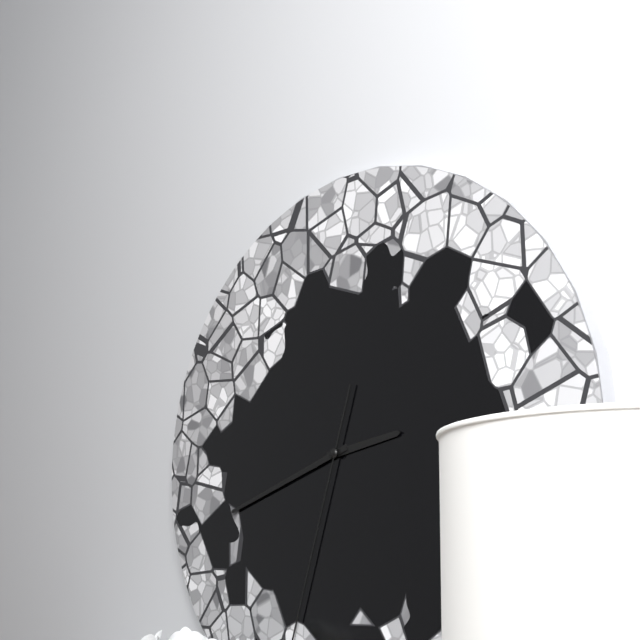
2:42
